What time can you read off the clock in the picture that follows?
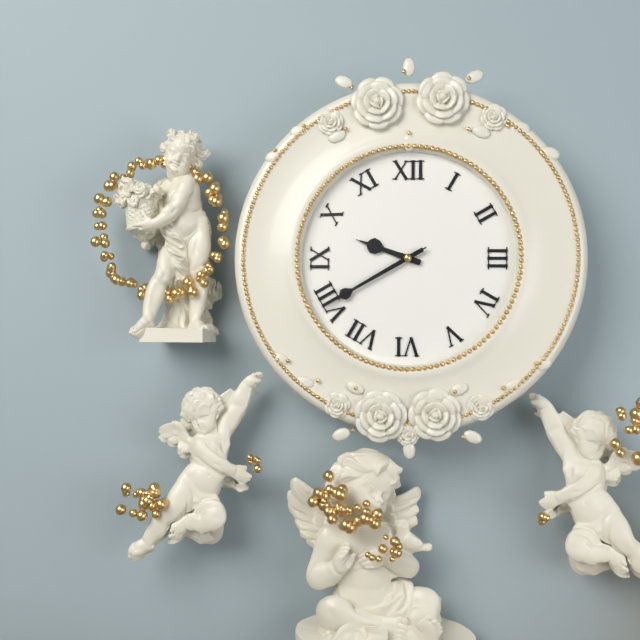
9:40:40
